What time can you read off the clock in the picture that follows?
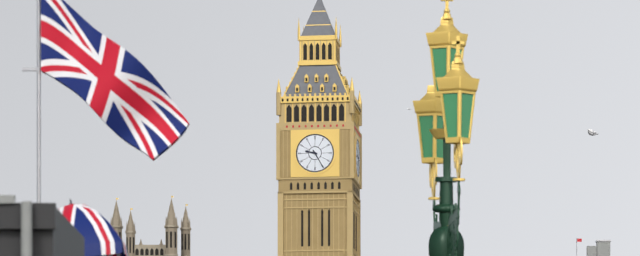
9:25
